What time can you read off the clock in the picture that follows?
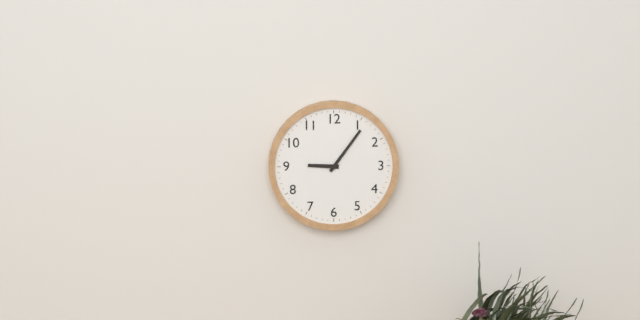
9:06
